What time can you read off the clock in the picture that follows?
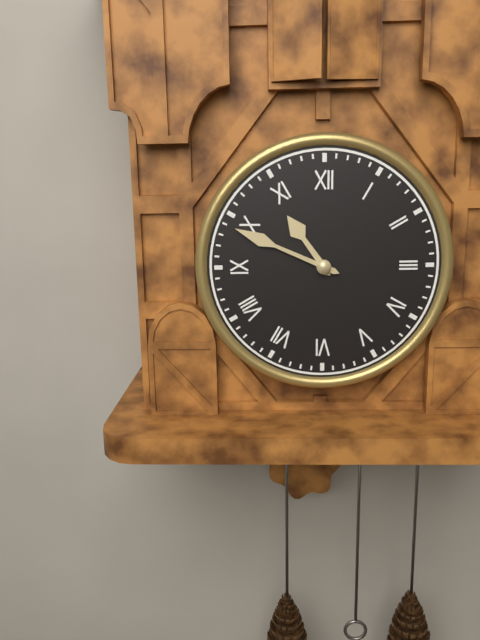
10:49
